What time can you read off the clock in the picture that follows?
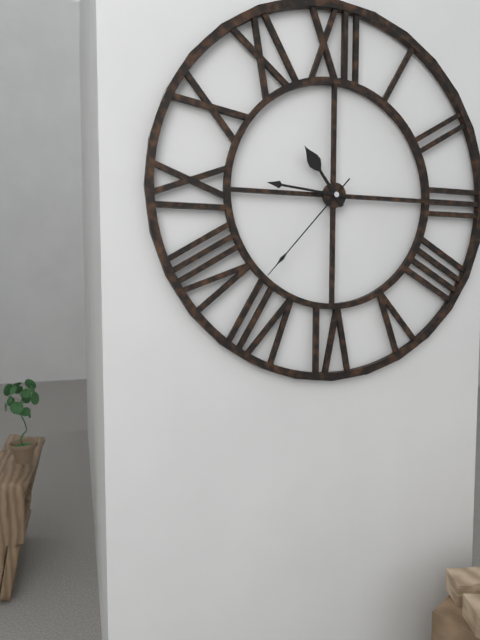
10:46:37
